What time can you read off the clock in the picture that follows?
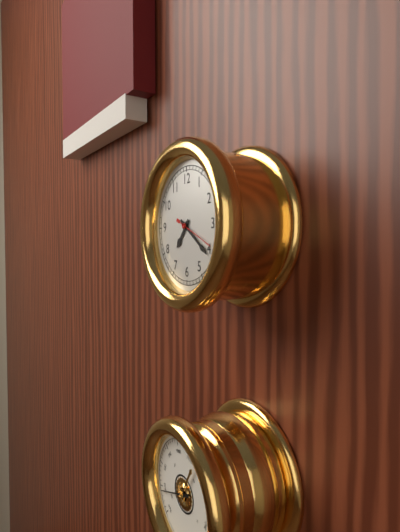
7:21
